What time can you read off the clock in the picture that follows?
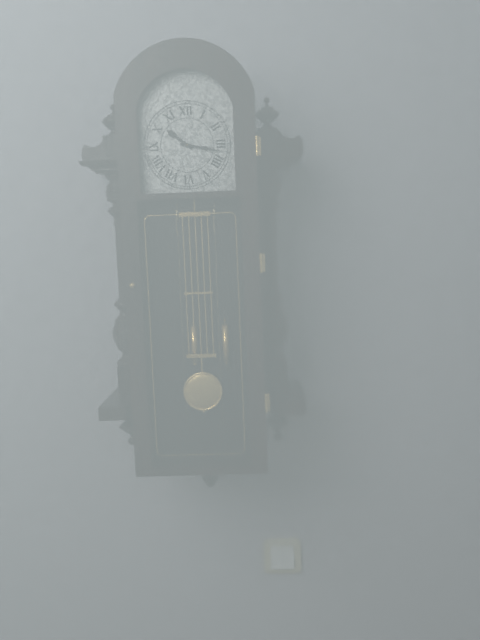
10:17
